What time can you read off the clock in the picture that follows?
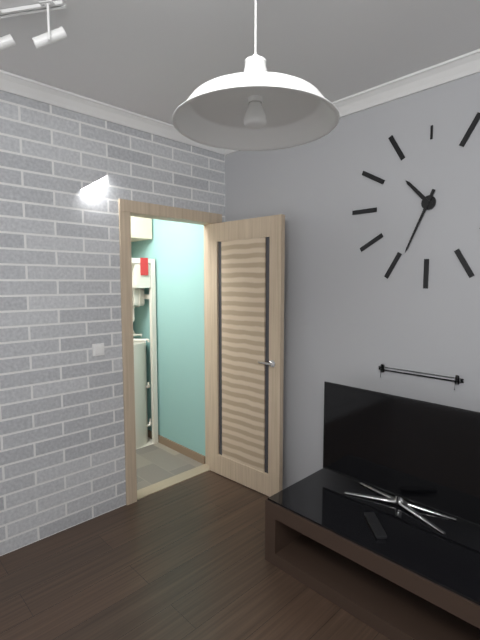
10:34
